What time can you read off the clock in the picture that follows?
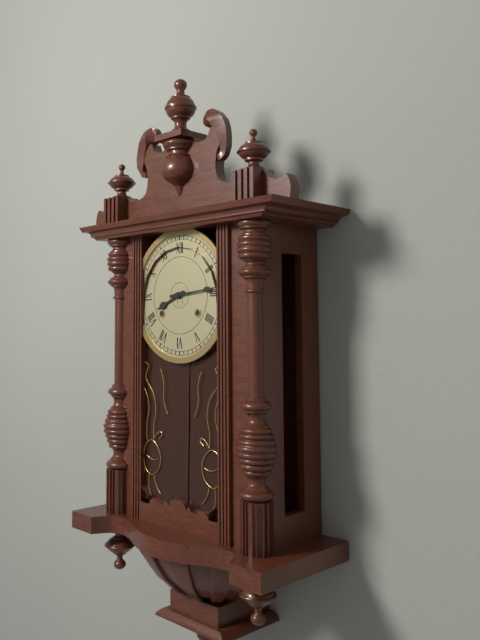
8:14
